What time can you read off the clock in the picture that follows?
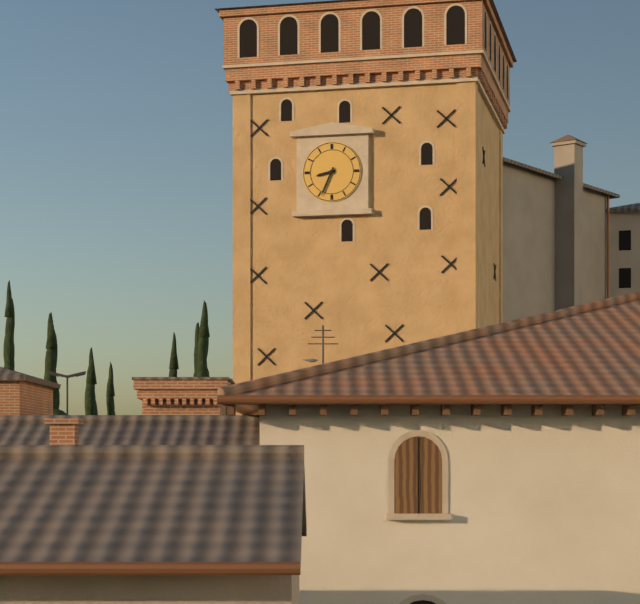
8:34
